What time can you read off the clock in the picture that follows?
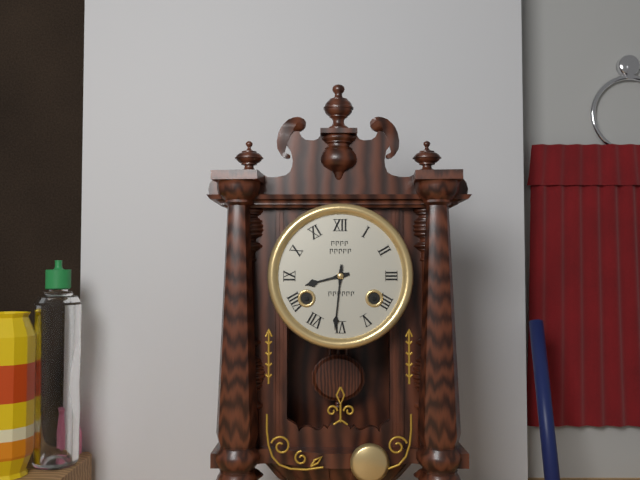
8:31
